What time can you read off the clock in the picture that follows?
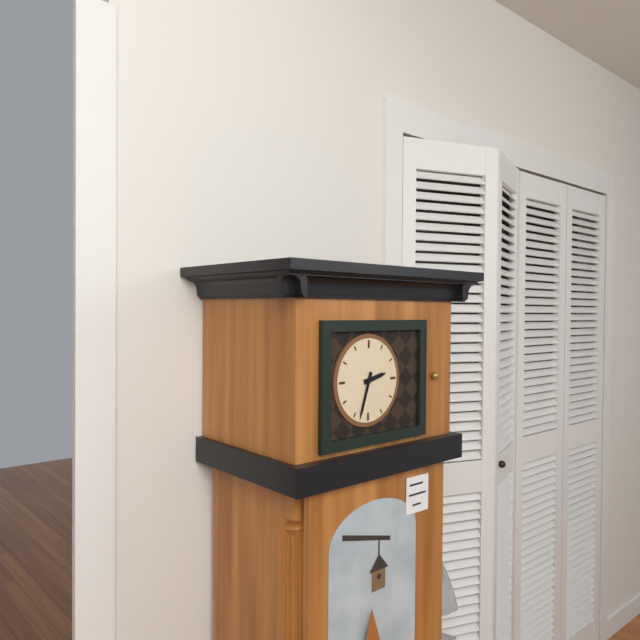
2:33
